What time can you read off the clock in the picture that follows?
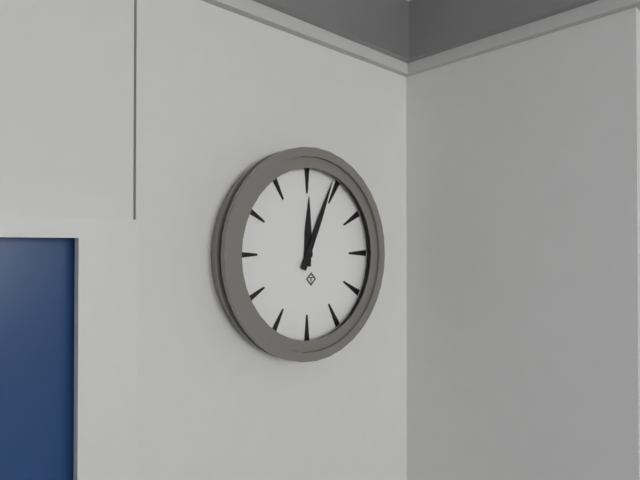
12:04
